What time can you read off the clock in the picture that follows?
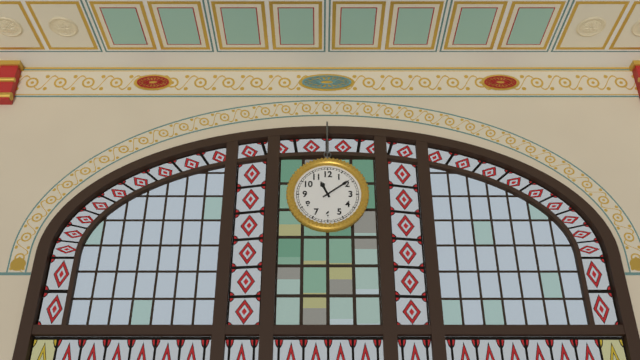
11:09
